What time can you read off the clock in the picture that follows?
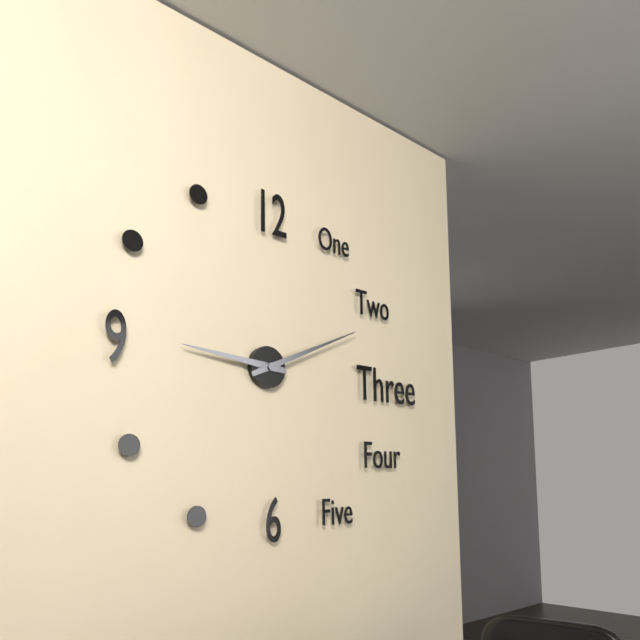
9:11
